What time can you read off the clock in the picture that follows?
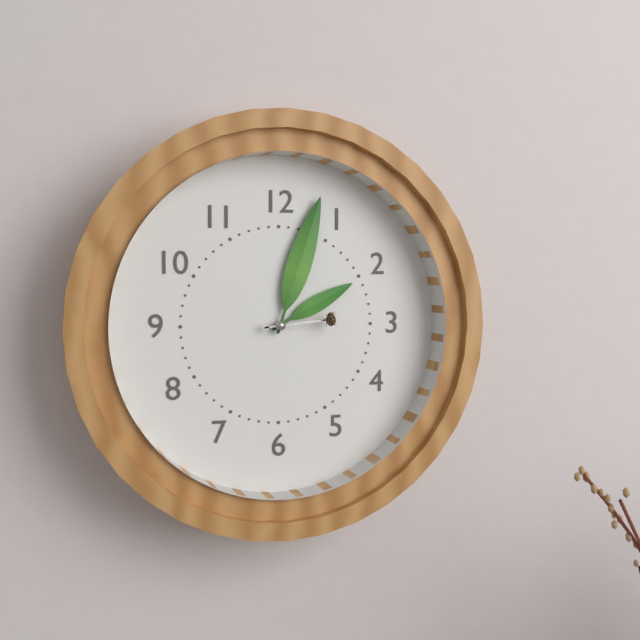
2:03:14
